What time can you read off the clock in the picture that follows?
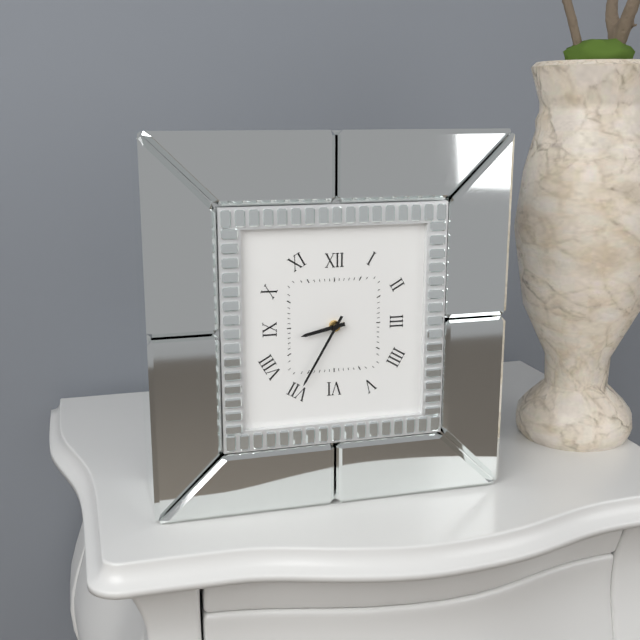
8:35
